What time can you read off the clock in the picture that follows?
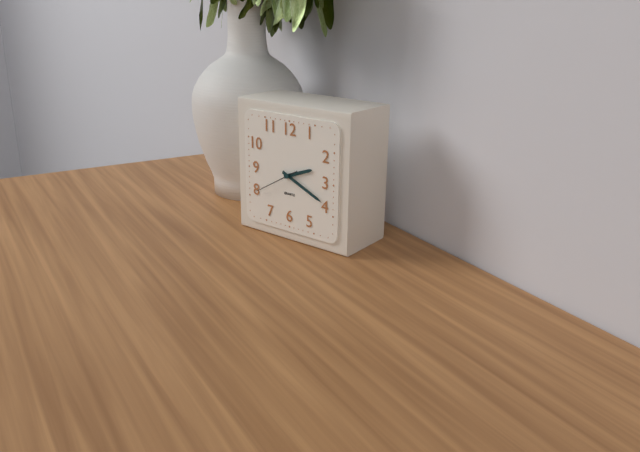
2:19
